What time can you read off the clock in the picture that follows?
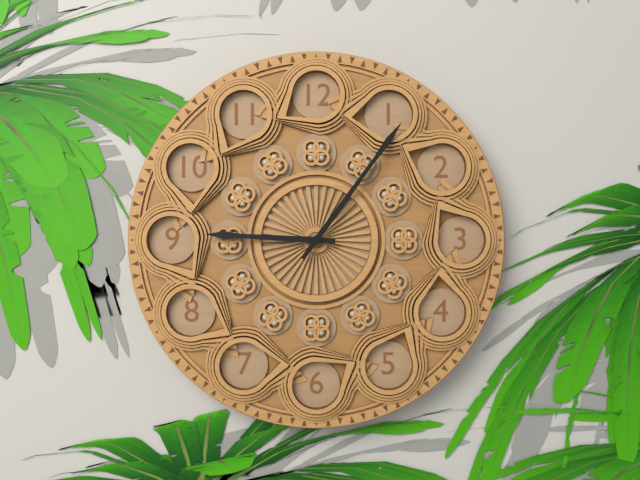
9:06
